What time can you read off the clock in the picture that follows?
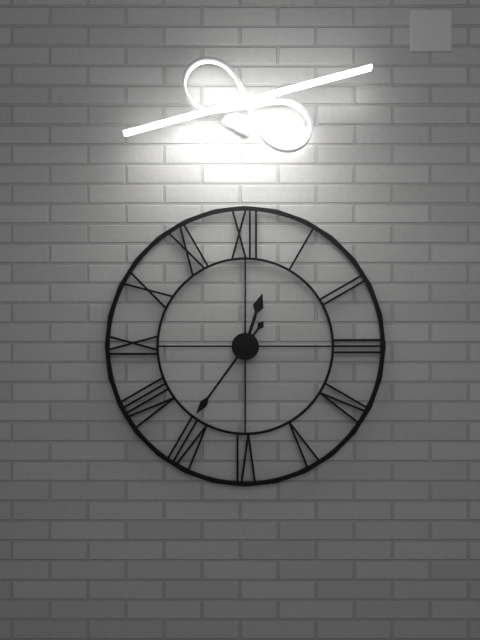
12:36
